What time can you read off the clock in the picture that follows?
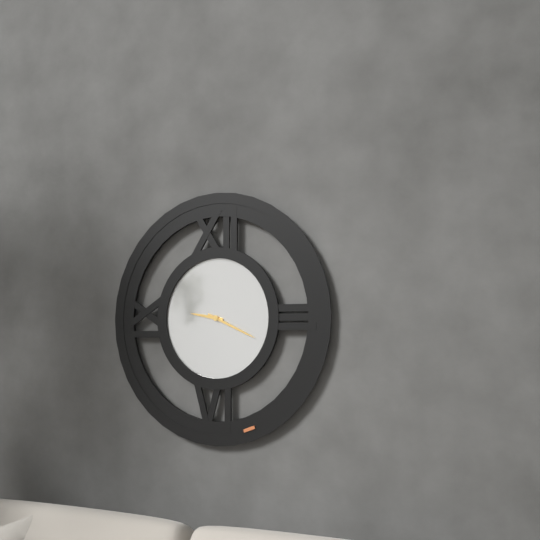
9:19
